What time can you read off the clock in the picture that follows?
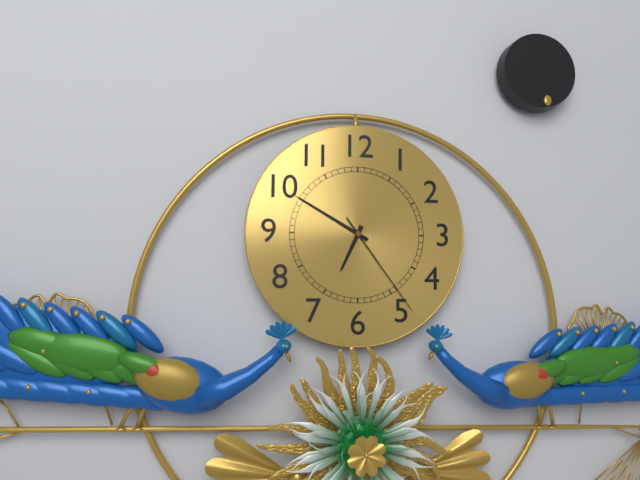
6:50:24
